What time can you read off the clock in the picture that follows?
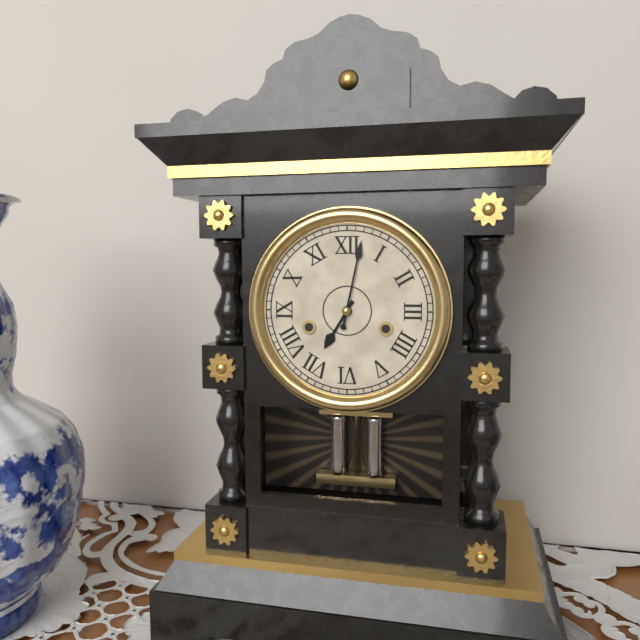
7:02
